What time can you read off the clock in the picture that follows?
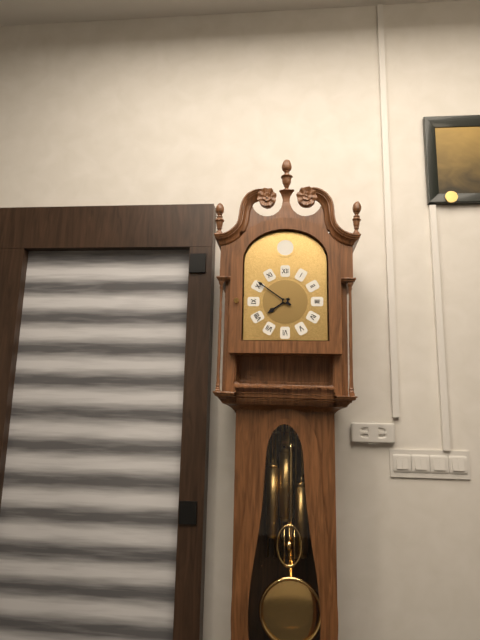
7:51
